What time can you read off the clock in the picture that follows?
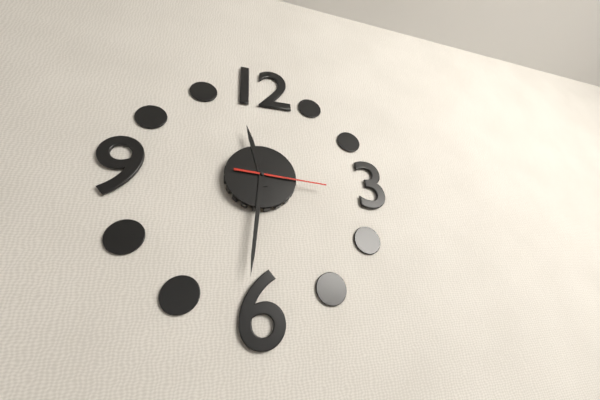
11:31:16
